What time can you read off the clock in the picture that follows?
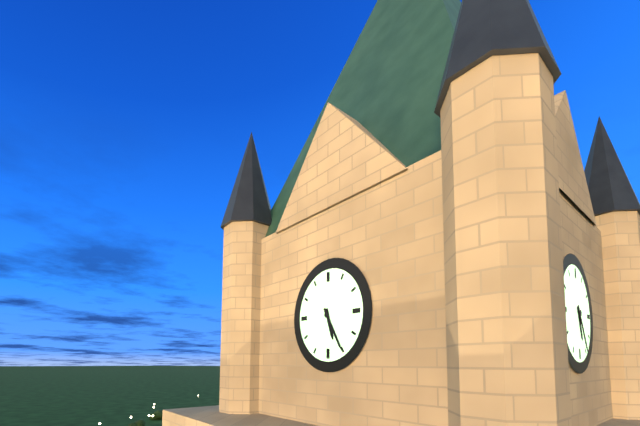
5:25
